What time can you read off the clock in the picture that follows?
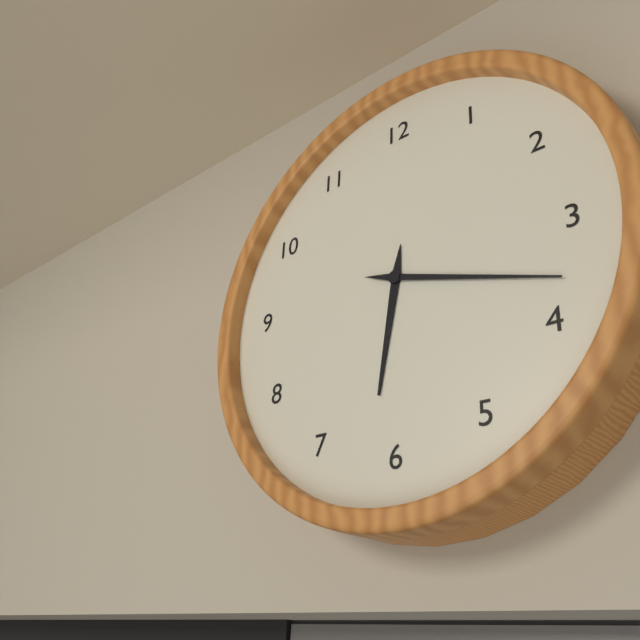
6:18
